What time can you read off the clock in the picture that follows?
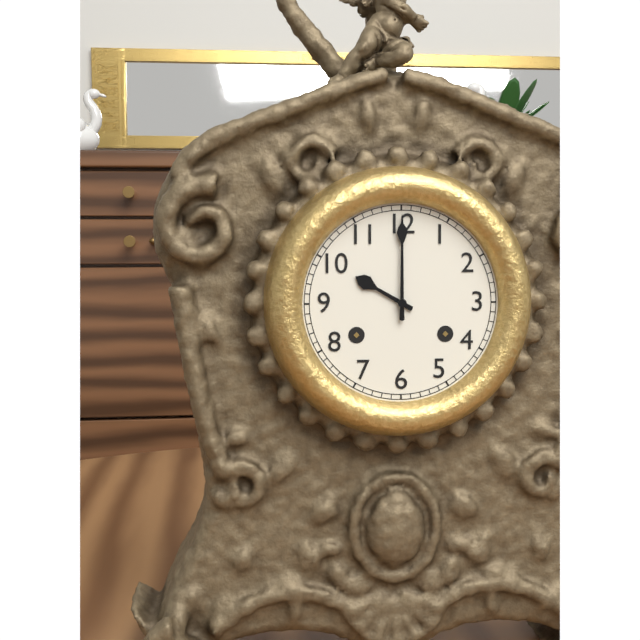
10:00
